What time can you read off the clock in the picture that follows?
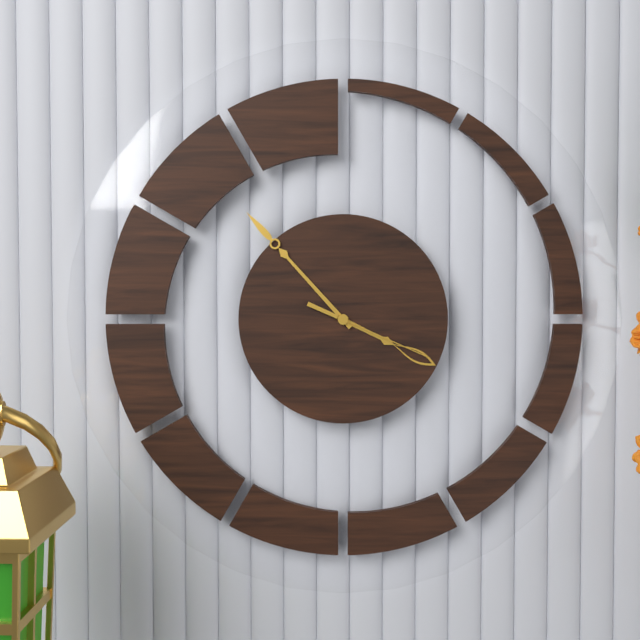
3:53:19
